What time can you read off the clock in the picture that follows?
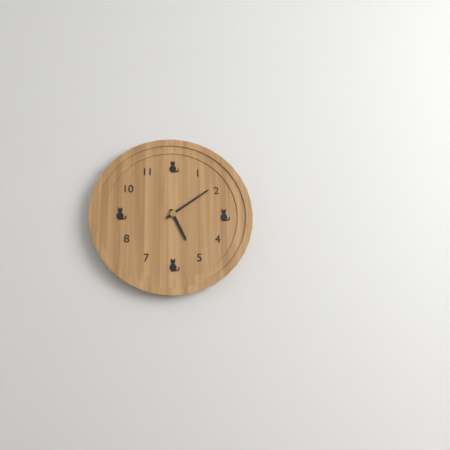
5:09
